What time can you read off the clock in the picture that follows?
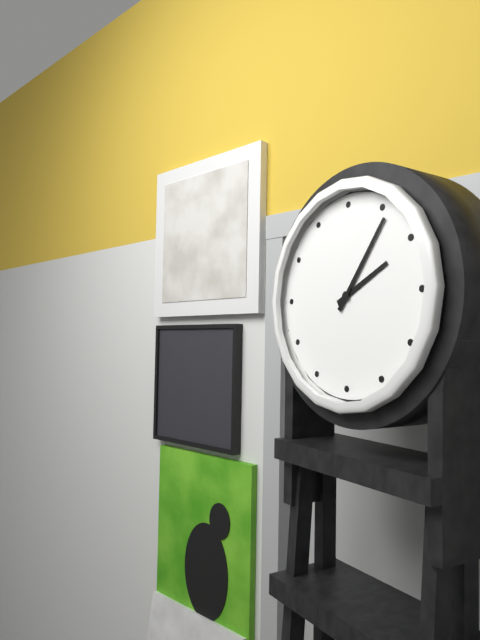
2:06
